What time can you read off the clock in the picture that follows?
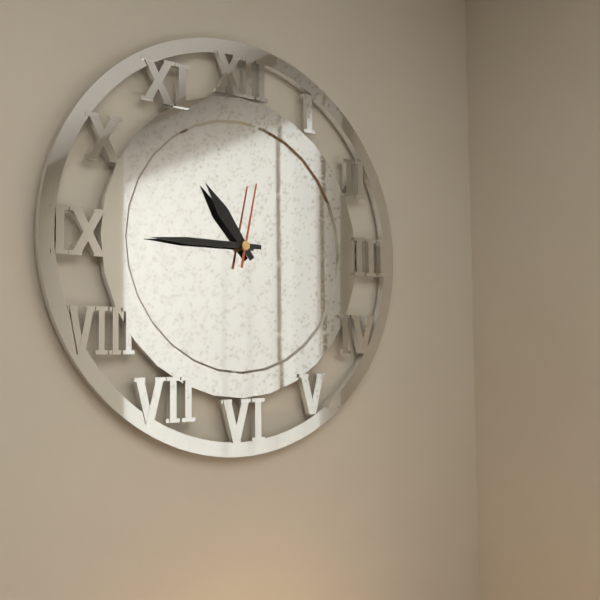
10:45:02
